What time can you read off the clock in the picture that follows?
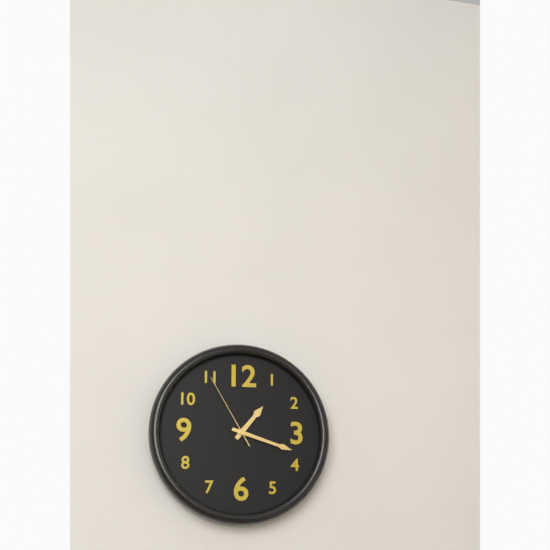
1:18:55
